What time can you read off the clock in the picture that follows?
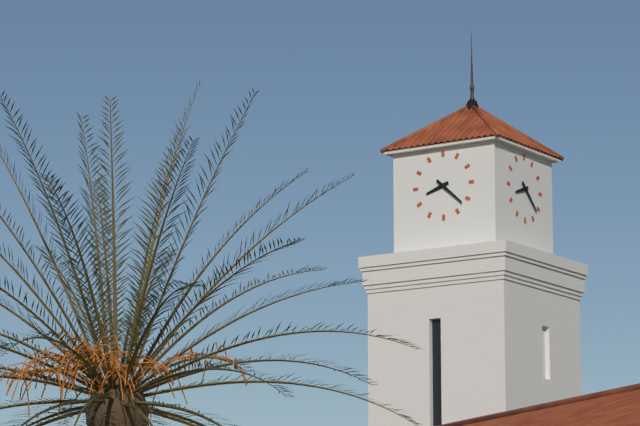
8:22
